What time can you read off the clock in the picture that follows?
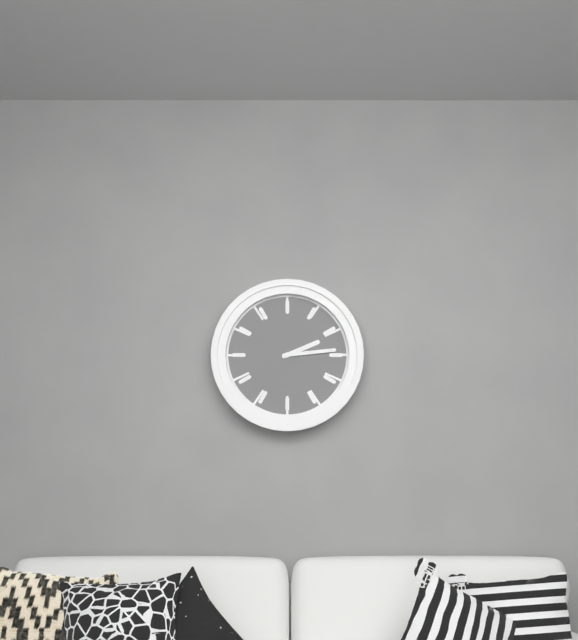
2:14
